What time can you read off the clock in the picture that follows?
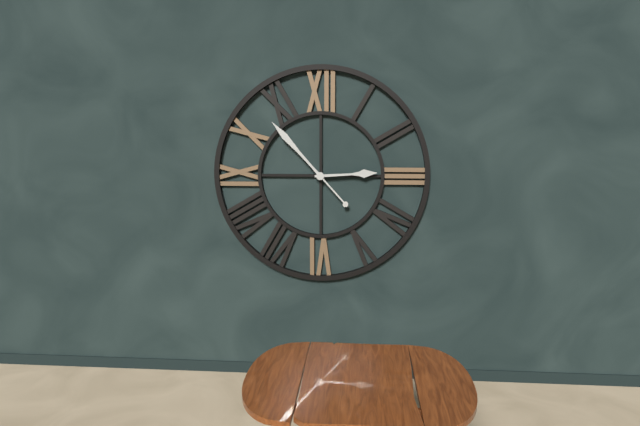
2:53
